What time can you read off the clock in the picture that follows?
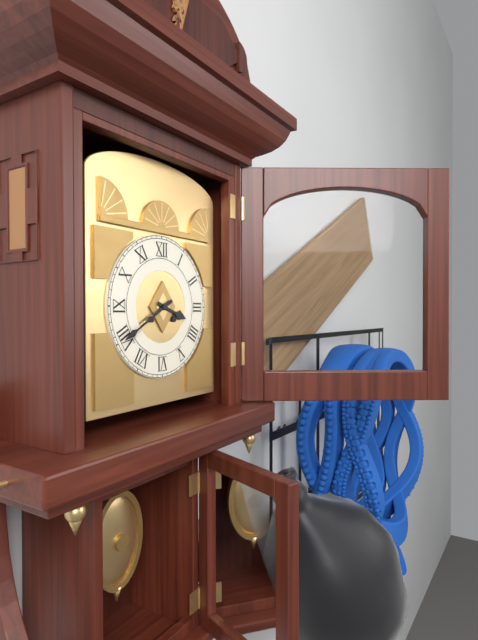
3:40
